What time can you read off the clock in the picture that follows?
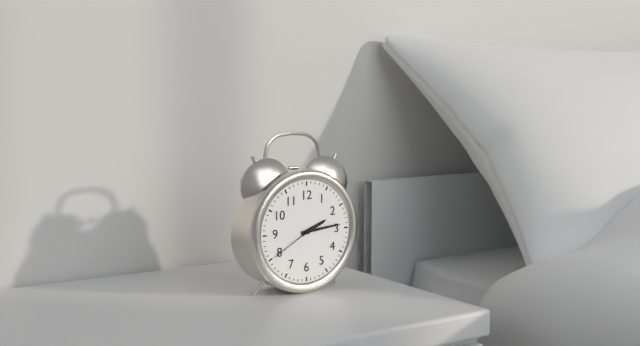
2:14:40
